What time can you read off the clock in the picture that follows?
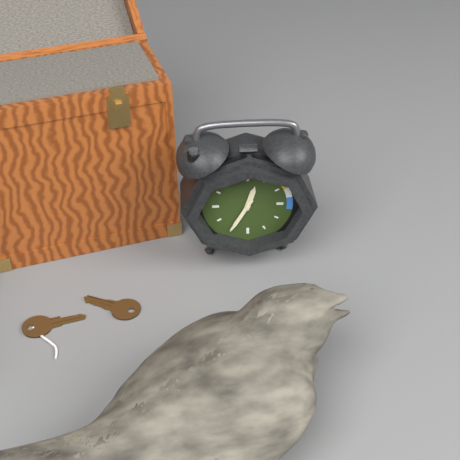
12:35
